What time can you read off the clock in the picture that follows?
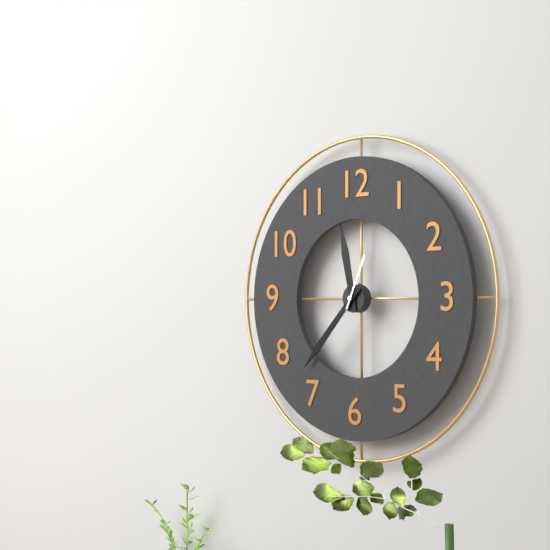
11:37:04
